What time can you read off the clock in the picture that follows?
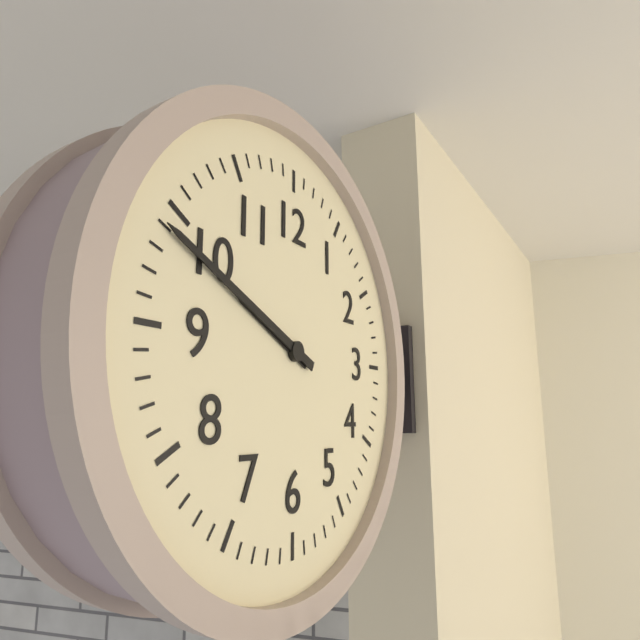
9:49
